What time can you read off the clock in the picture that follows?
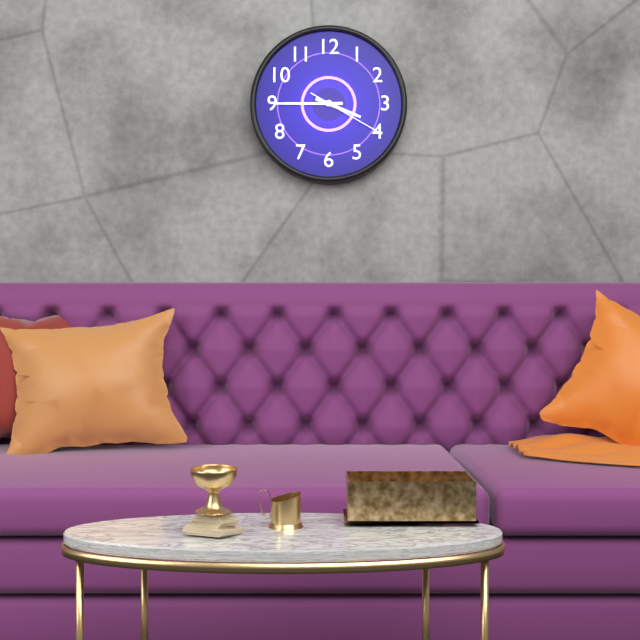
3:45:20
